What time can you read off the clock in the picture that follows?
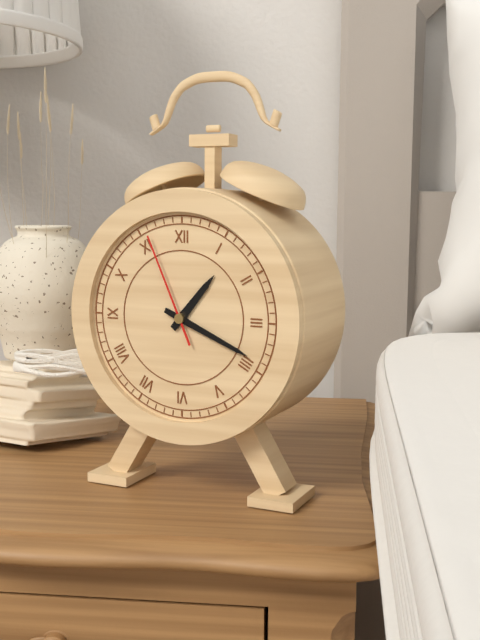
1:19:56
